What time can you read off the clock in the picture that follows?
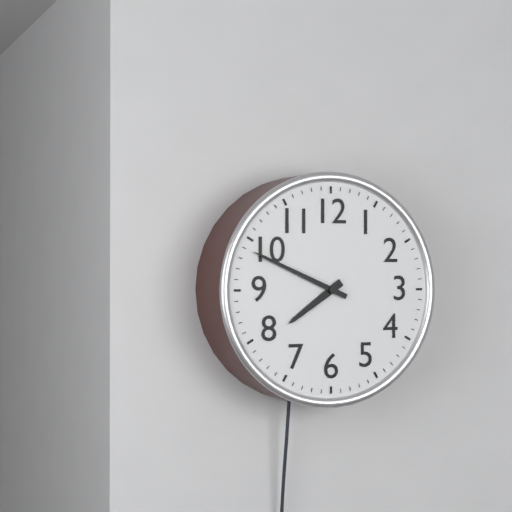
7:49
